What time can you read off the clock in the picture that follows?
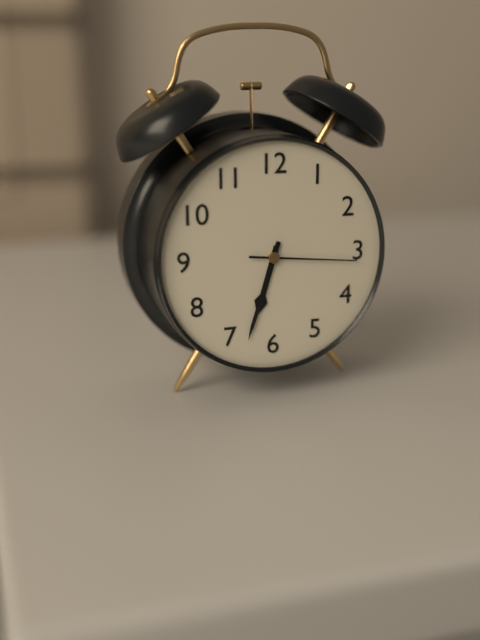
6:33:16
